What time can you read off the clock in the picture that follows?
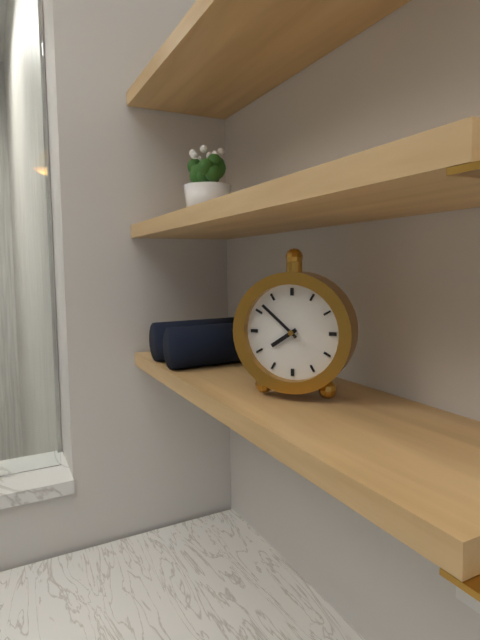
7:52
